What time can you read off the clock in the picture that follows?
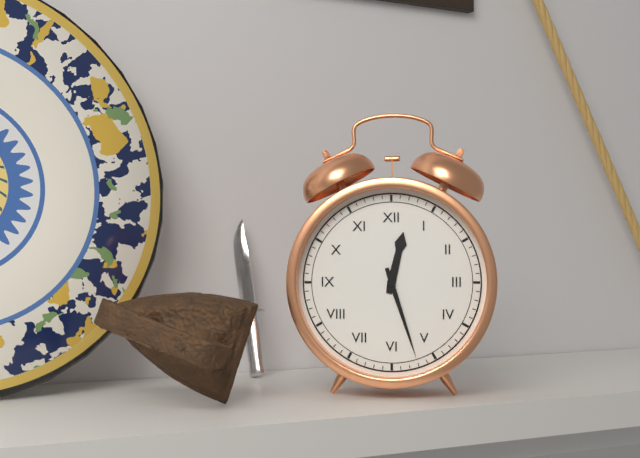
12:27
